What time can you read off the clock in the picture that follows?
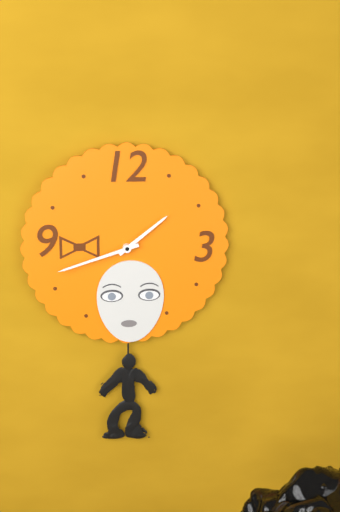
1:42
